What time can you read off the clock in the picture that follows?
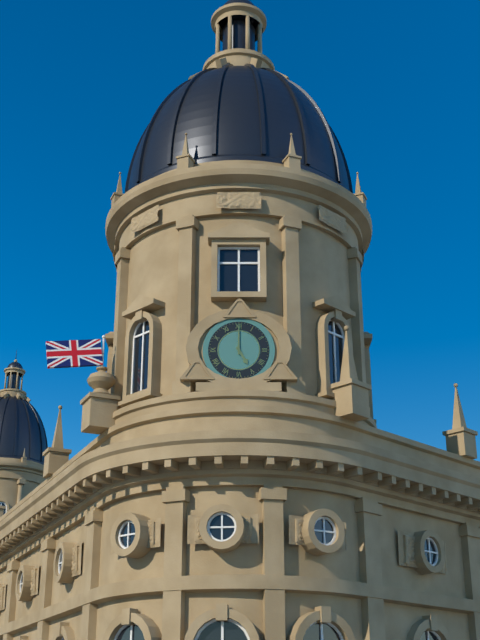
5:00
